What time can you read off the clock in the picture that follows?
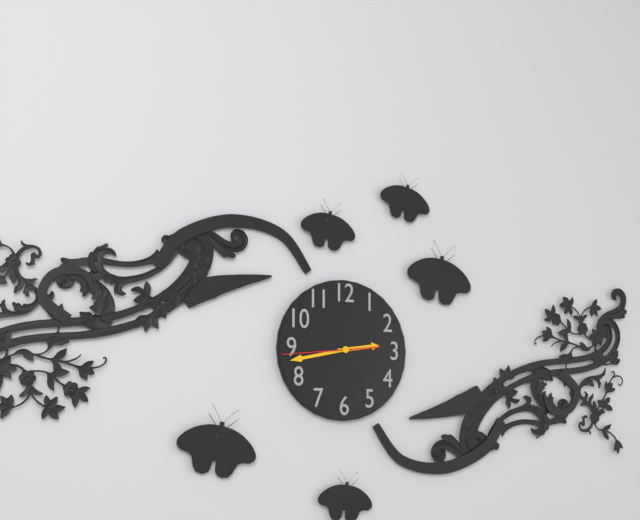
2:43:44
